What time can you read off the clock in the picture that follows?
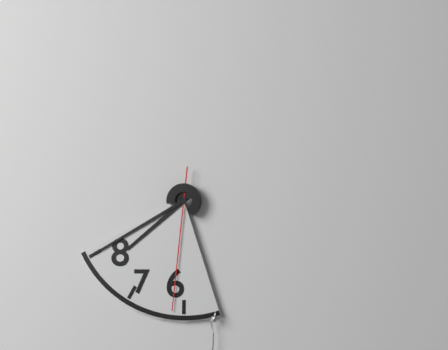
7:40:31
